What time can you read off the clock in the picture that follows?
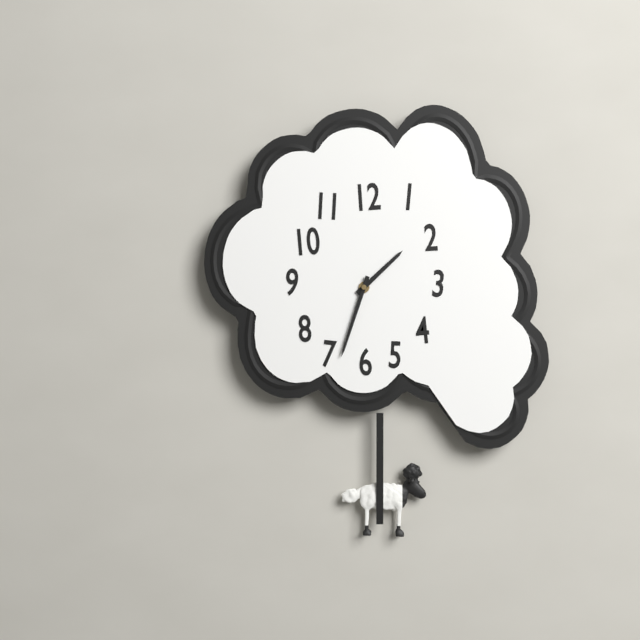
1:33
